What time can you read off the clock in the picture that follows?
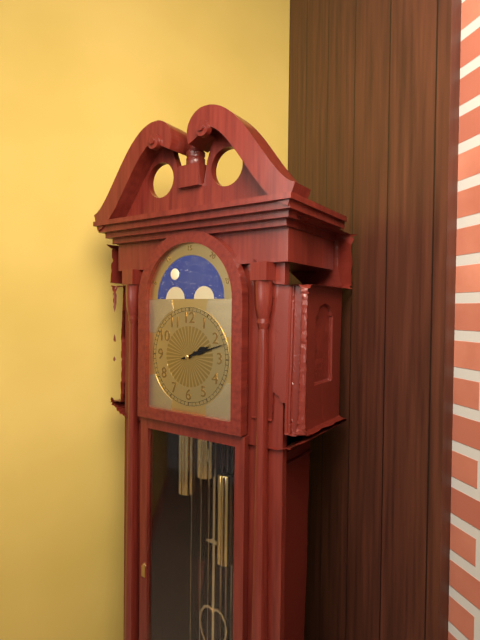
2:12
